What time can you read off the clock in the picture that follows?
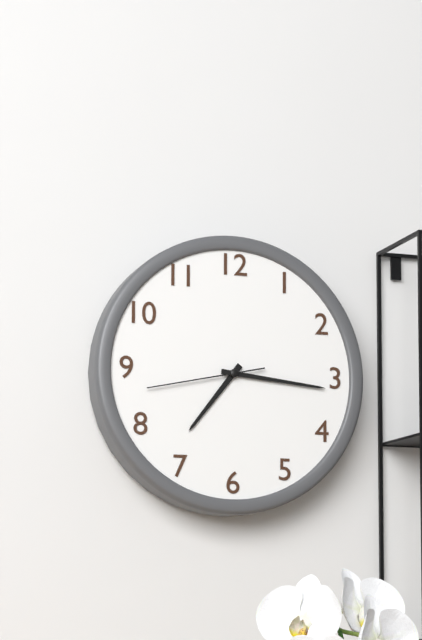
7:16:43
